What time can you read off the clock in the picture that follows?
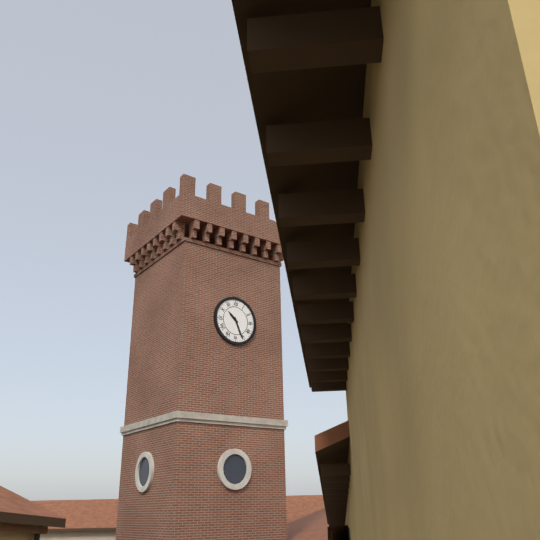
10:26
